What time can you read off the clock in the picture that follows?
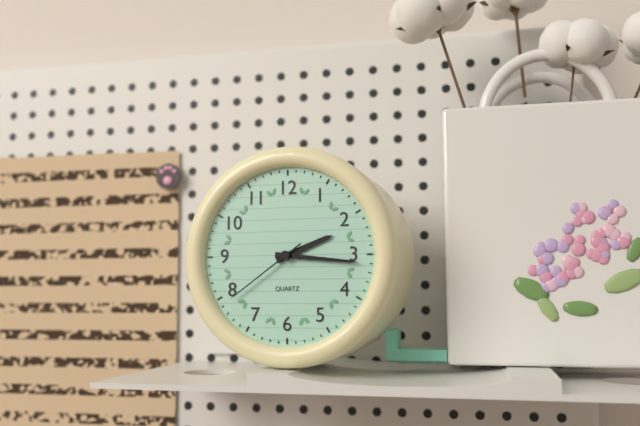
2:16:39
